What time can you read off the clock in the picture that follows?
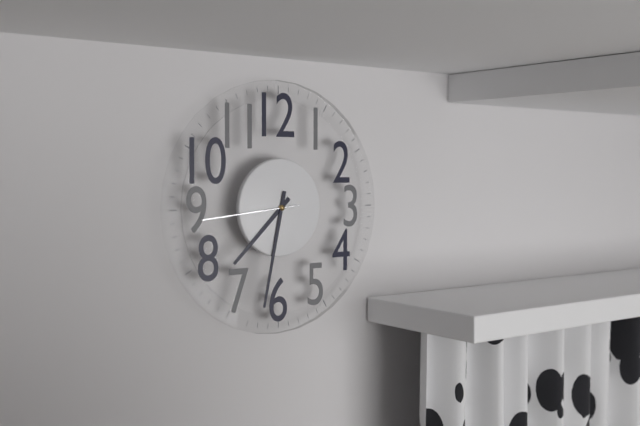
7:32:44
